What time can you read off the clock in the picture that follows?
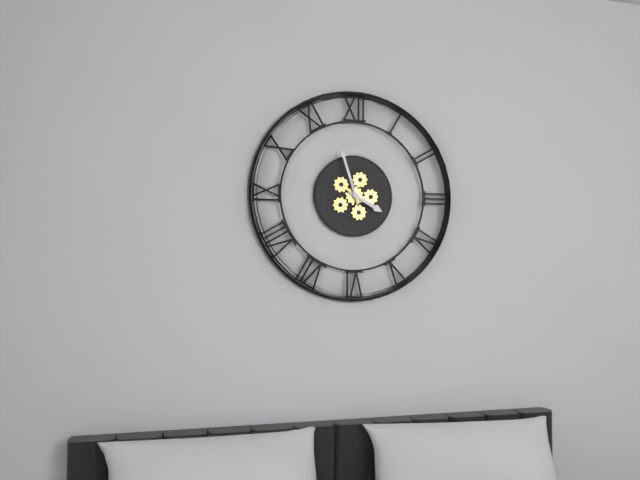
3:57
